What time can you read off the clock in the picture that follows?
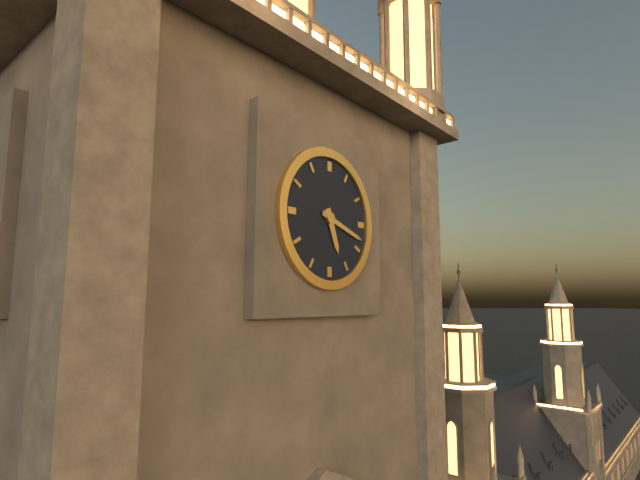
5:18
